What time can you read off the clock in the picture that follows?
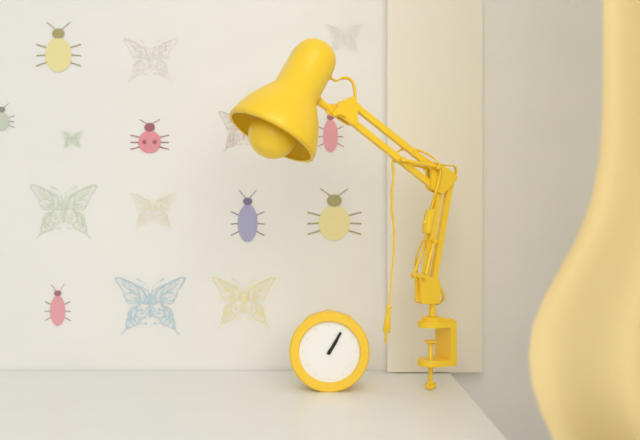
1:05
